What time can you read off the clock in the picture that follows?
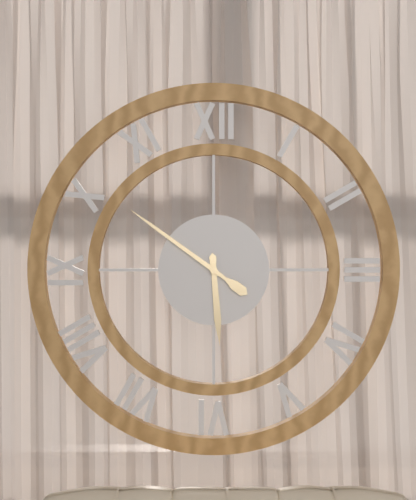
5:51
